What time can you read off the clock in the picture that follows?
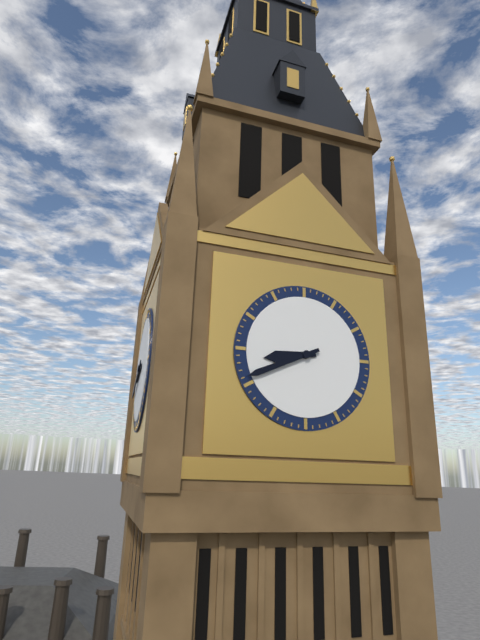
8:41
